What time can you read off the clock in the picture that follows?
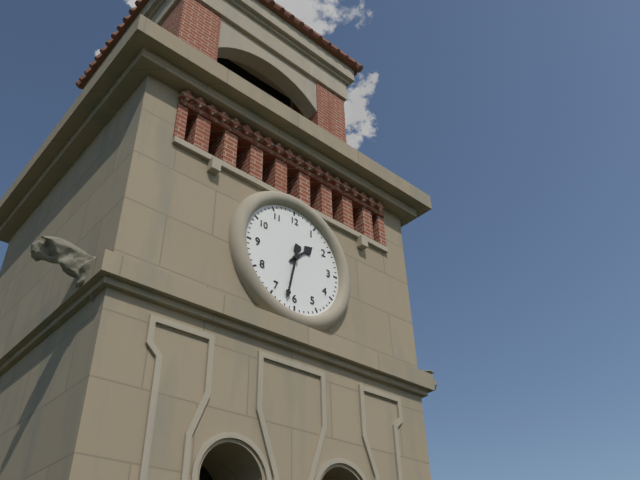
1:32
